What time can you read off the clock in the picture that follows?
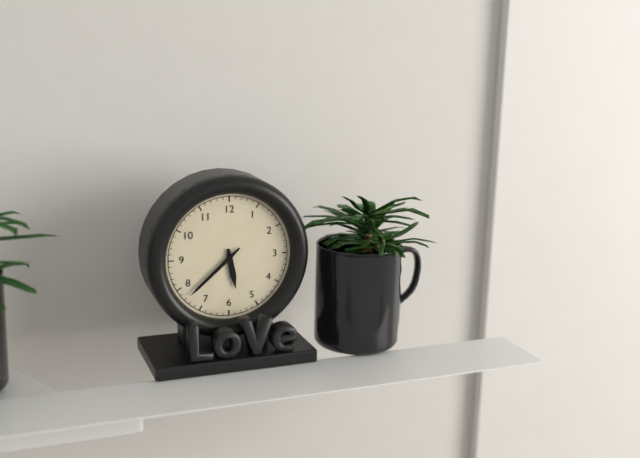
5:38
